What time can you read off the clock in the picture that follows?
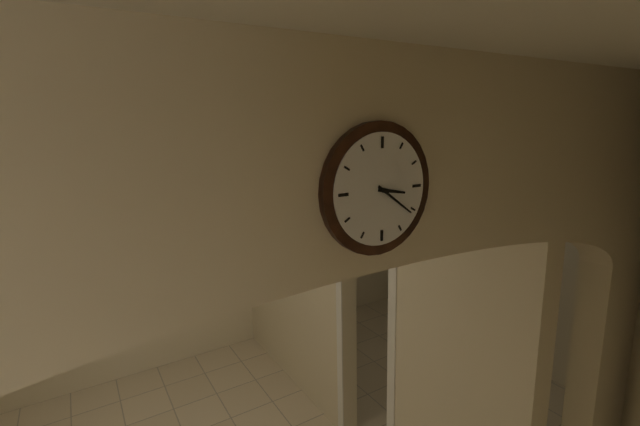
3:21
